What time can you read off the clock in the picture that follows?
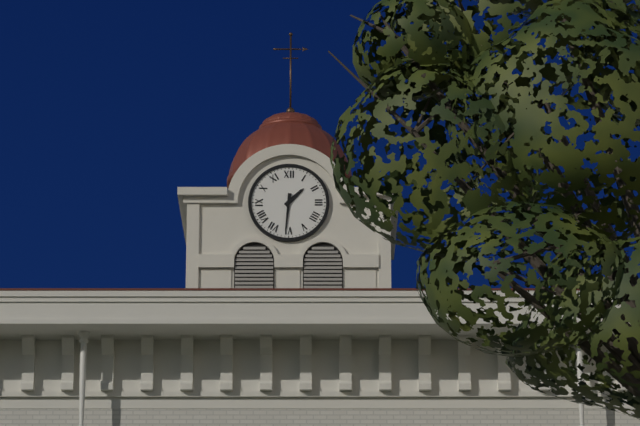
1:31
